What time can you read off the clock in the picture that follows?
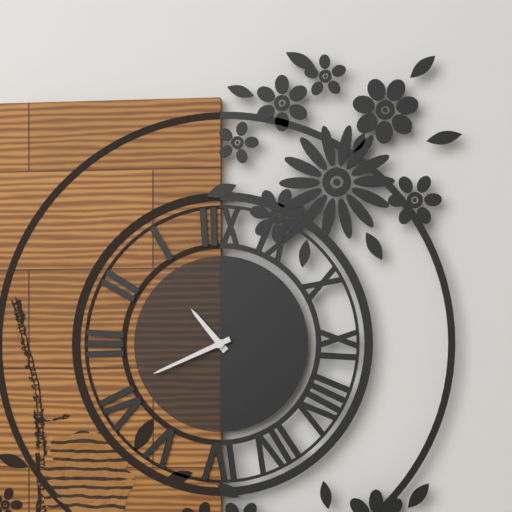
10:41
